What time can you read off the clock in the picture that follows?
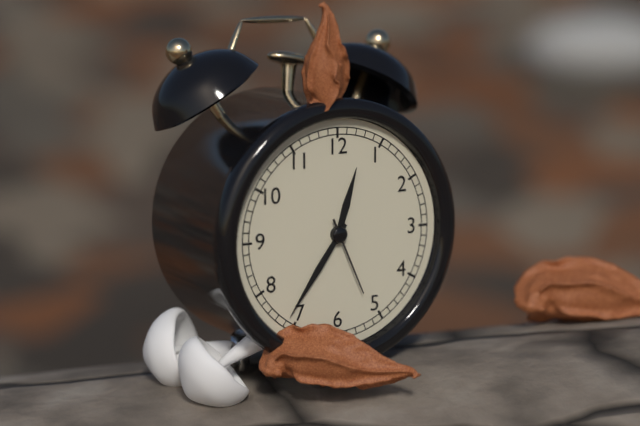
12:36:26
